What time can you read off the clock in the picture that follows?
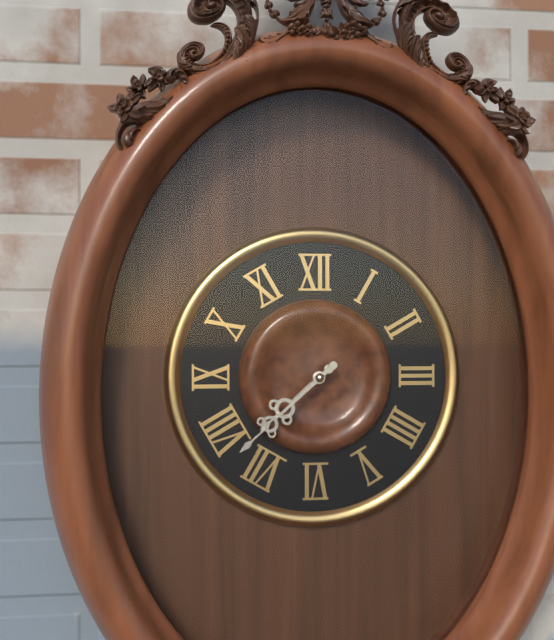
7:38
